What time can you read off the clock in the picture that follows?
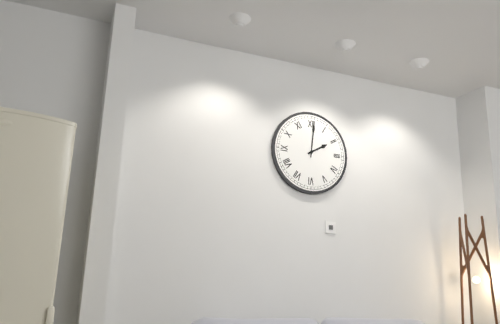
2:01
